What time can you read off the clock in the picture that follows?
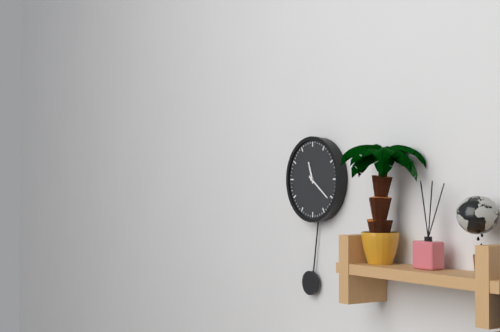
11:21
